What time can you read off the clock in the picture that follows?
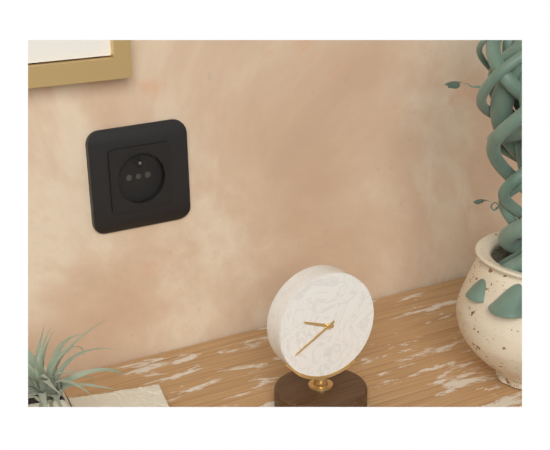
9:40
